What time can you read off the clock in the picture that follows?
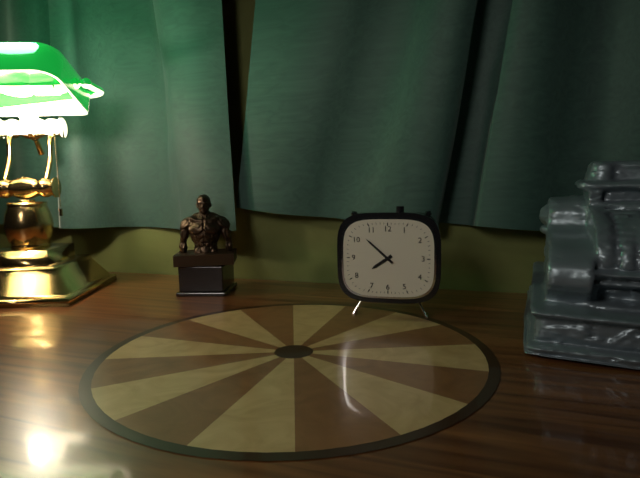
7:52
